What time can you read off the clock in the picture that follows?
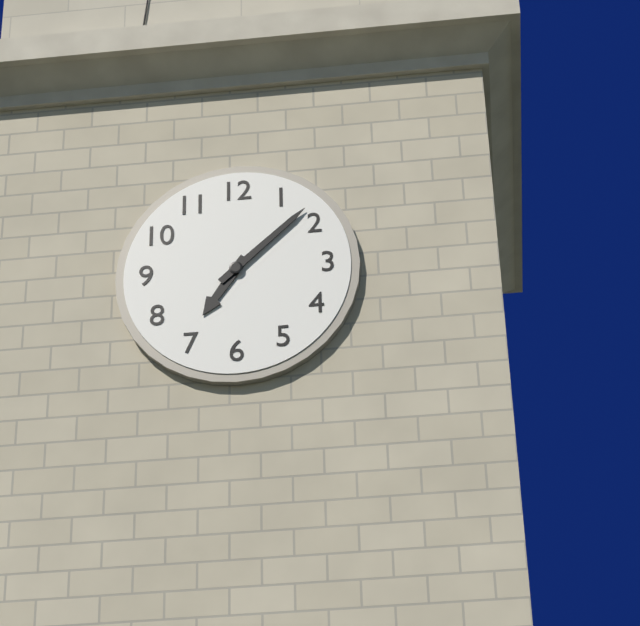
7:08
